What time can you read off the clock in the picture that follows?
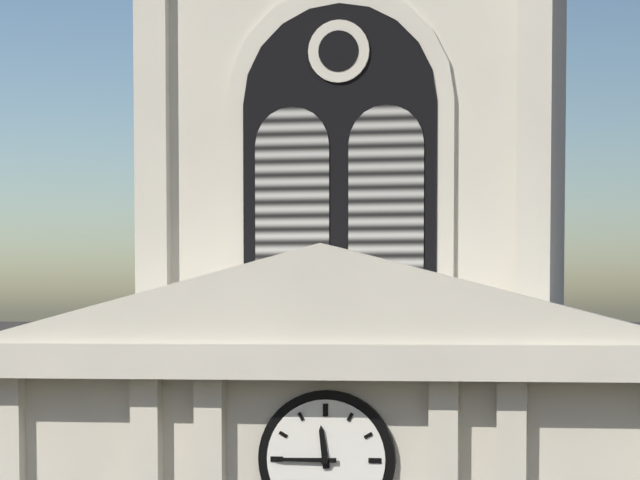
11:45
